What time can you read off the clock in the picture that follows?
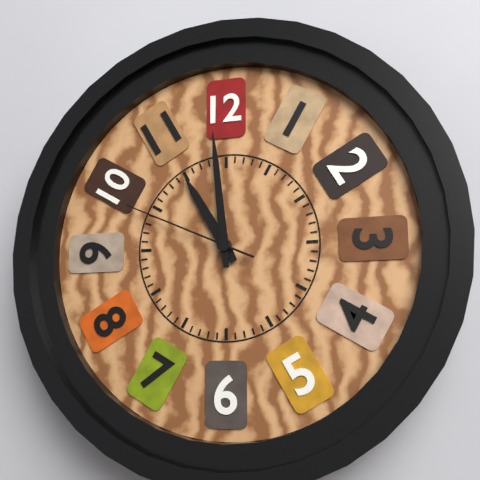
10:59:49
